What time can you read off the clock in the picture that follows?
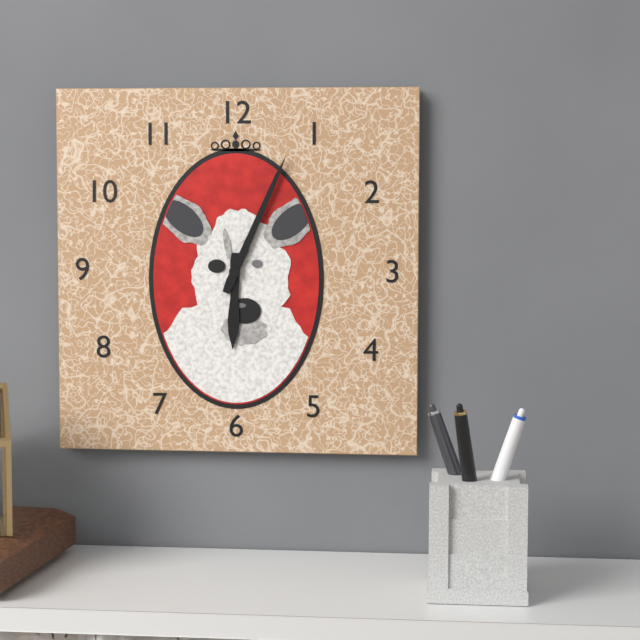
6:04
